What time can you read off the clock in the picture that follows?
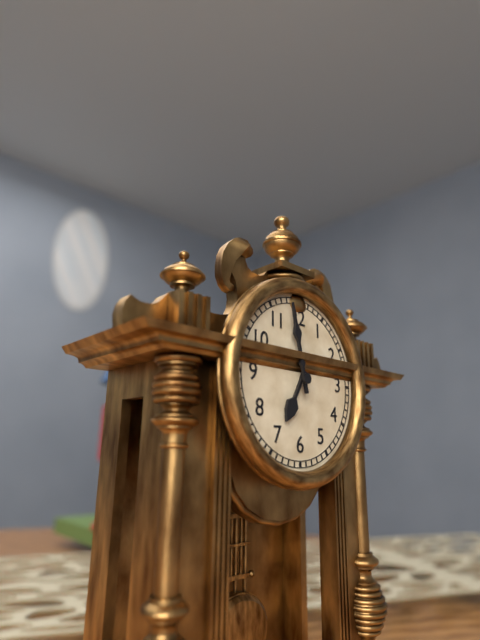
6:58
